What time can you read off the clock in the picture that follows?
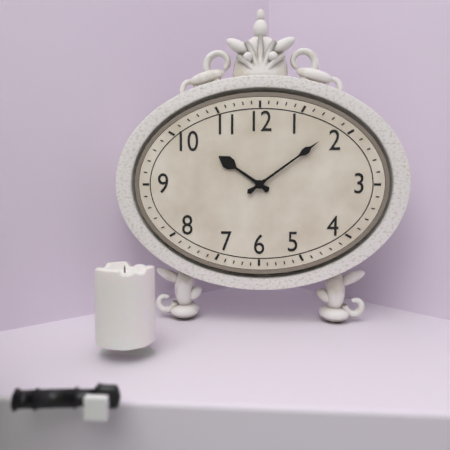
10:09
